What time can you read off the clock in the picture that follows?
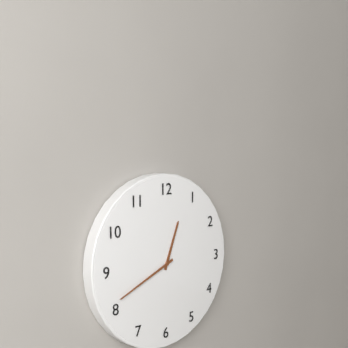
12:41
